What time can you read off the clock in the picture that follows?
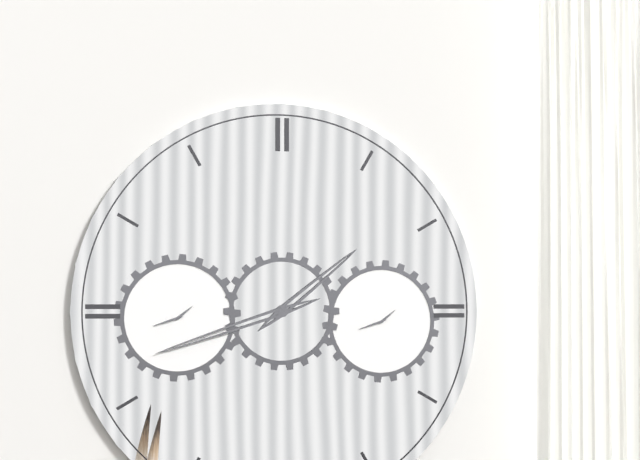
1:42
